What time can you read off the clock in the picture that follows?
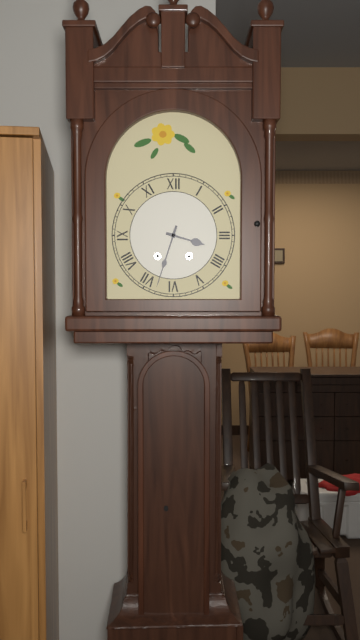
3:33
